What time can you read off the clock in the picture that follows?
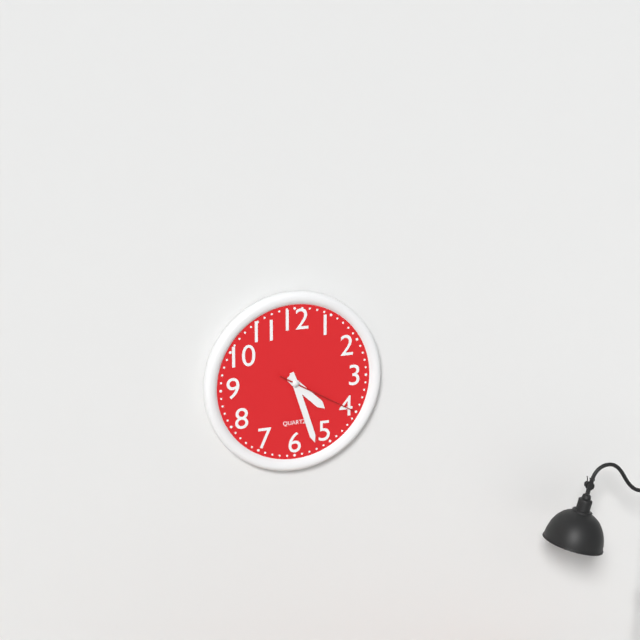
4:27:20
